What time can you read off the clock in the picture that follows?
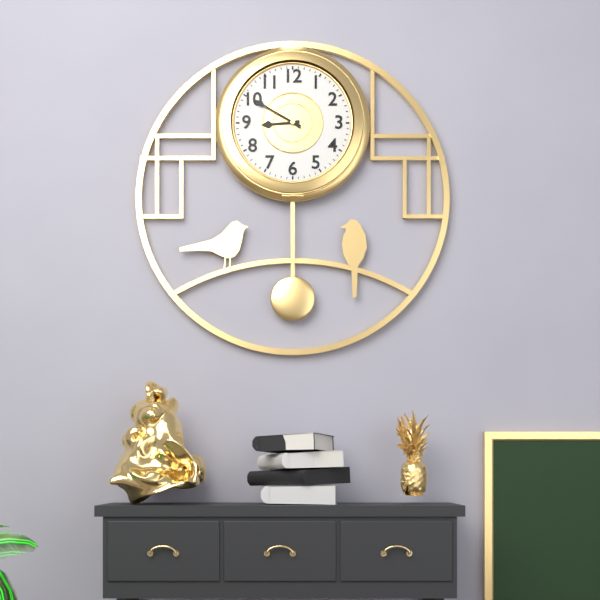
8:50
